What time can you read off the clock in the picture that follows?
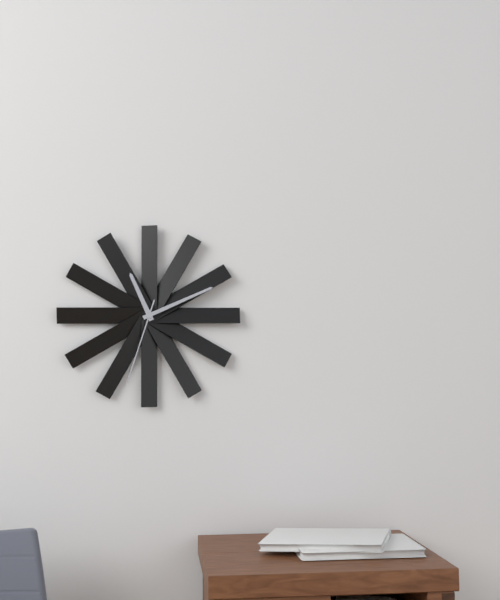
11:11:33
